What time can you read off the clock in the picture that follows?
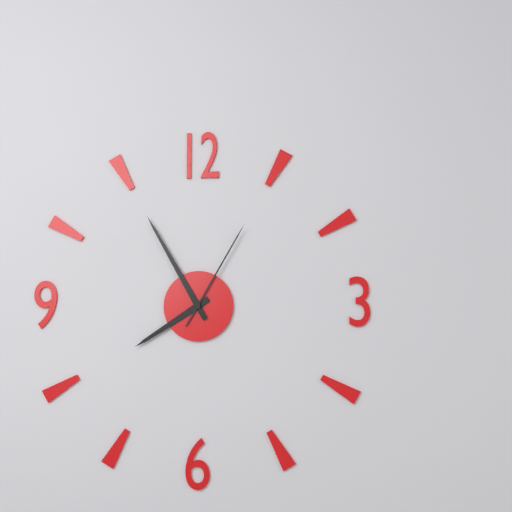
7:55:05
